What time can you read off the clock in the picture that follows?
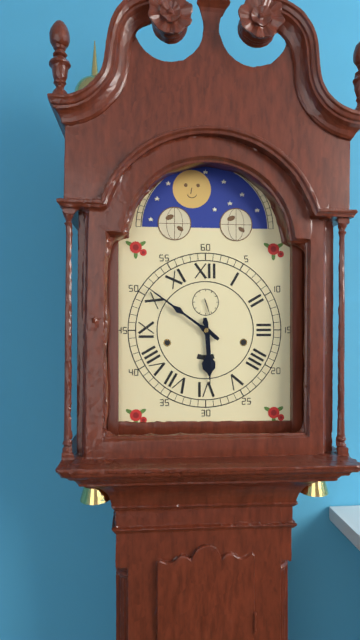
5:51
